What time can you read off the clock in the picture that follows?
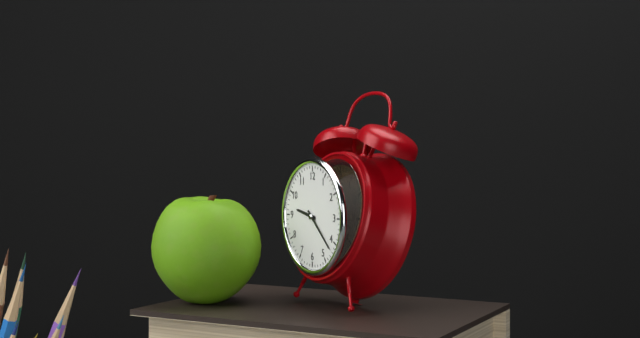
9:22
